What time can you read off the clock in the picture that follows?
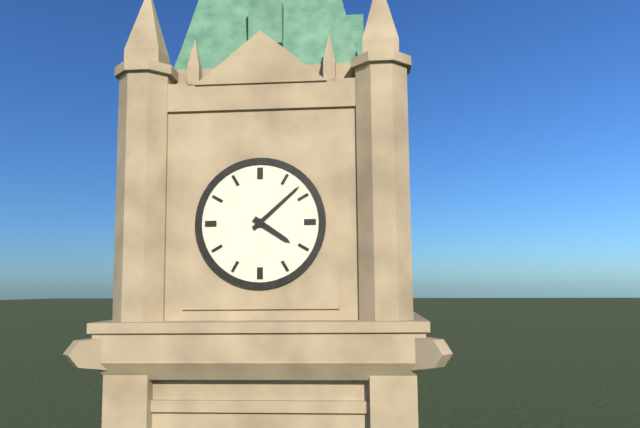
4:08
